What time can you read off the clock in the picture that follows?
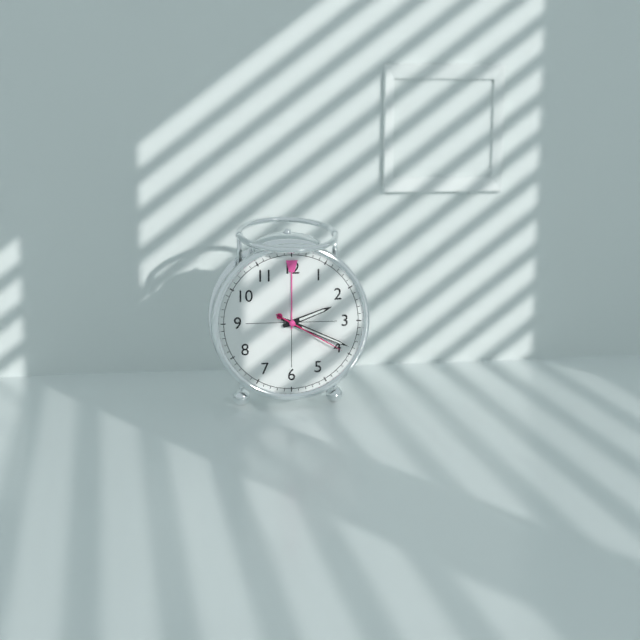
2:19:20
